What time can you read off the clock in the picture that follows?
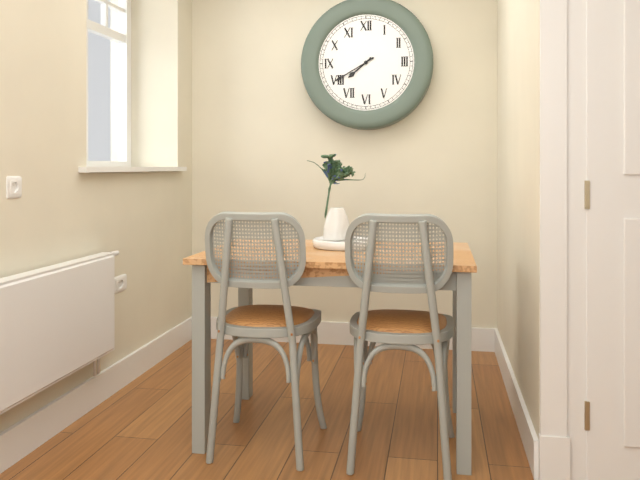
7:40
